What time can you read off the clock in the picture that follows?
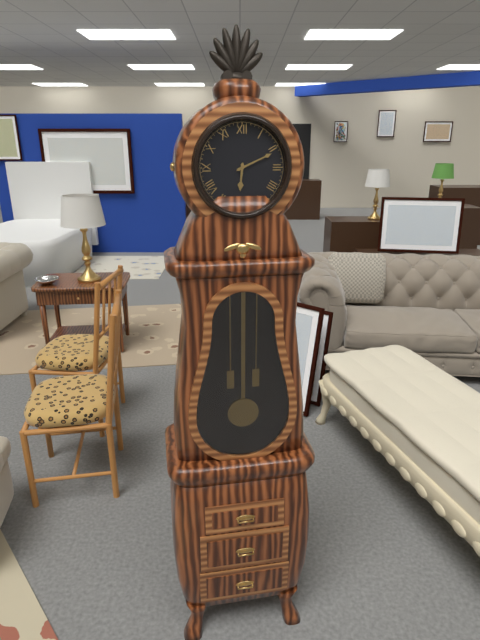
6:11
